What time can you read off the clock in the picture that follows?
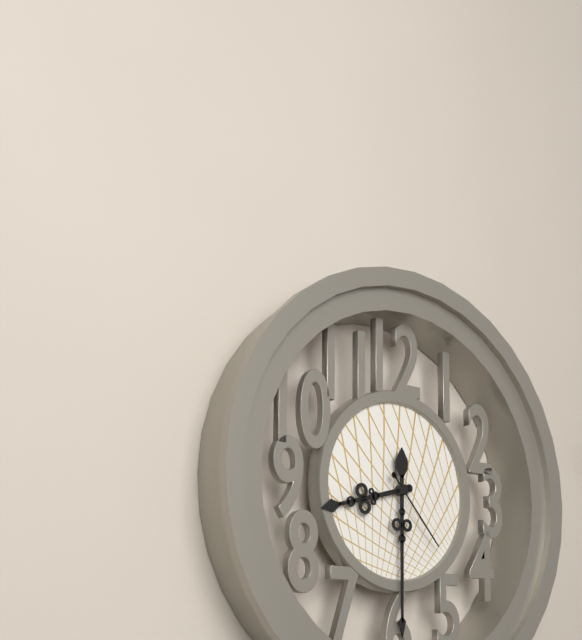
8:30:23
